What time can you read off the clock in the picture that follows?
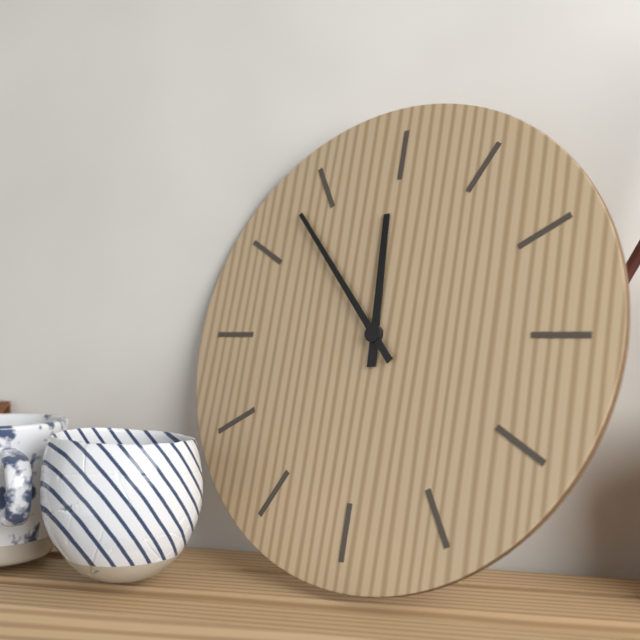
11:53
